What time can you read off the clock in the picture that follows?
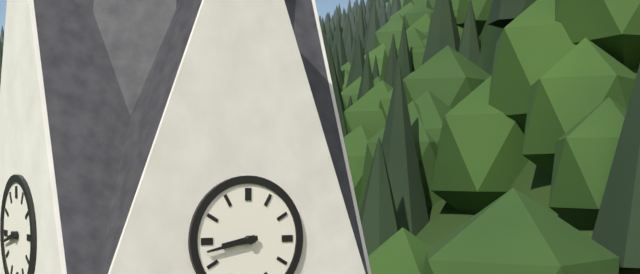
8:43
